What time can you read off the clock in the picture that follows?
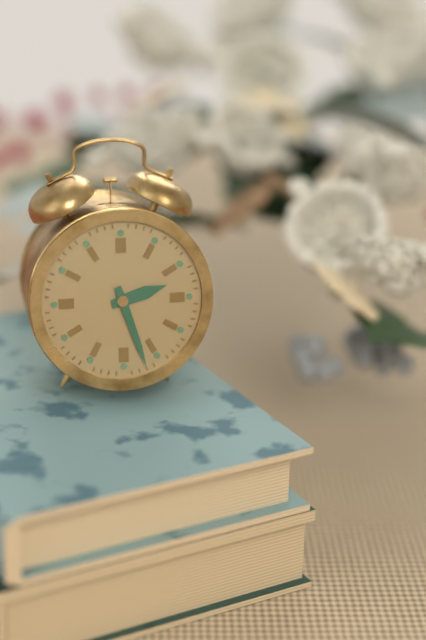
2:27
